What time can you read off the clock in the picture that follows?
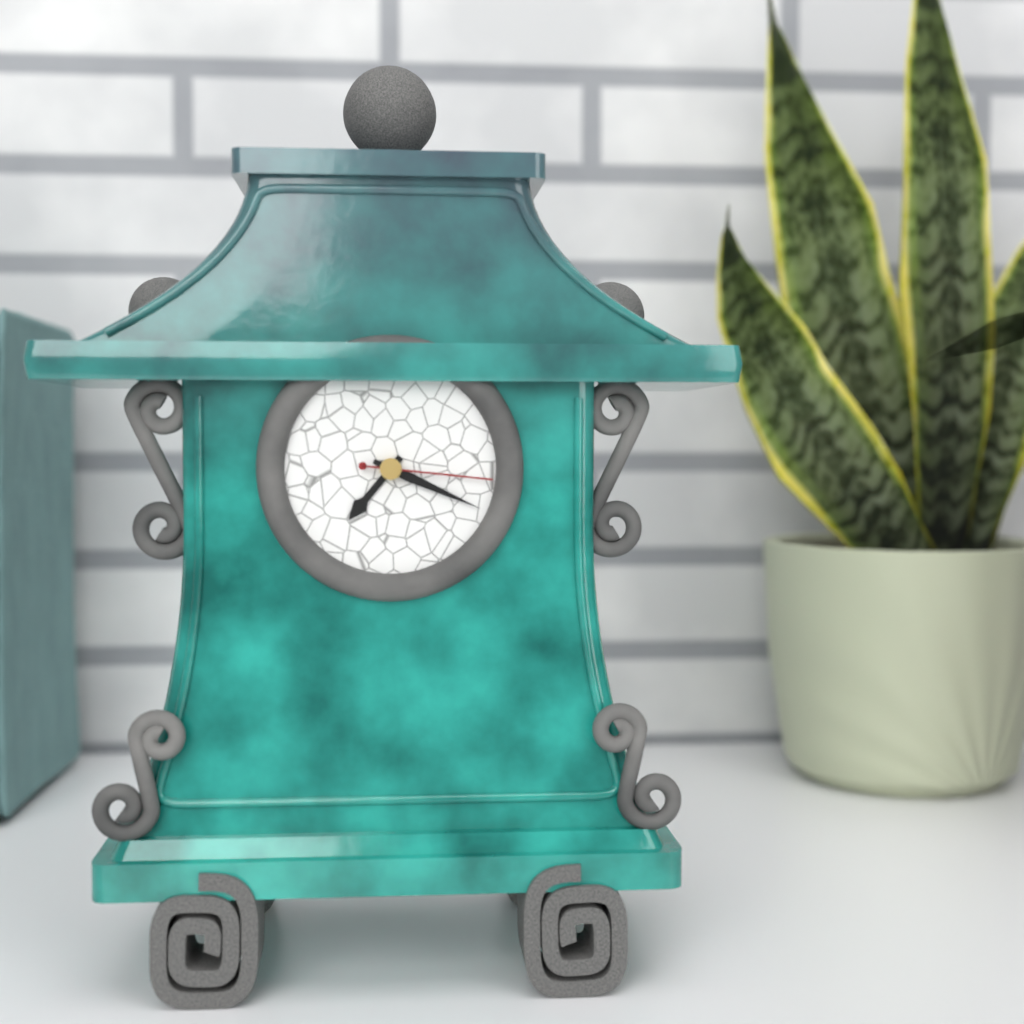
7:19:16
